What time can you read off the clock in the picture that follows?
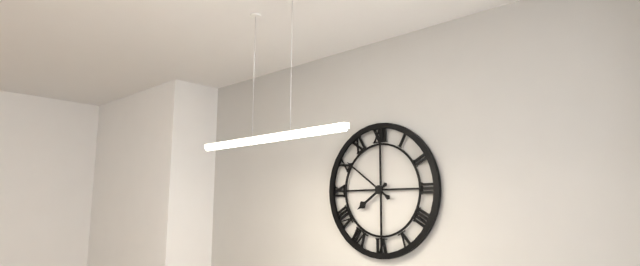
7:51
